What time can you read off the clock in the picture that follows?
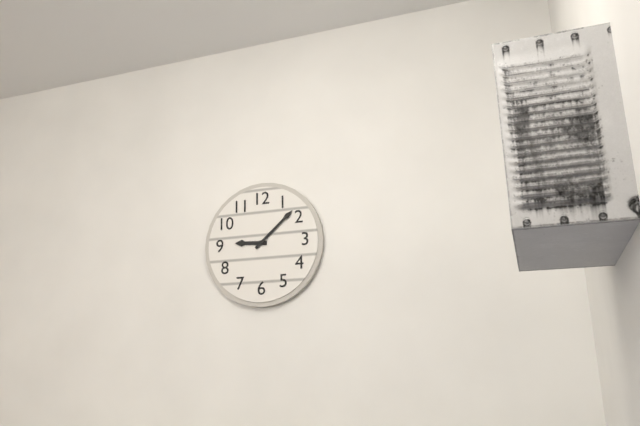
9:08
